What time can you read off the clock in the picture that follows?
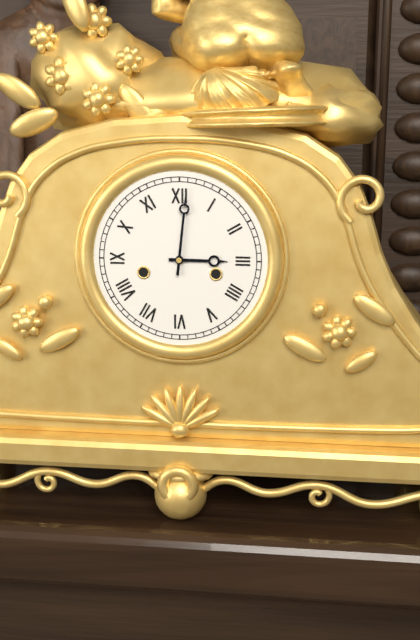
3:01
